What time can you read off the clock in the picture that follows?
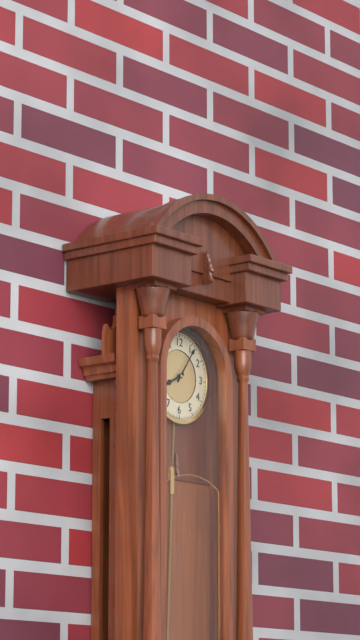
8:06
